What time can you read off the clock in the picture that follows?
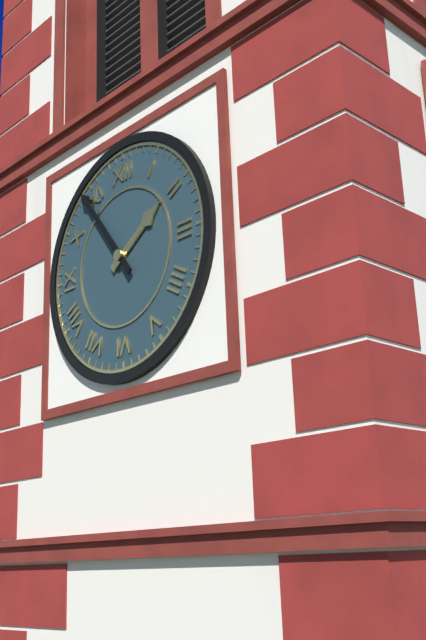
1:54
